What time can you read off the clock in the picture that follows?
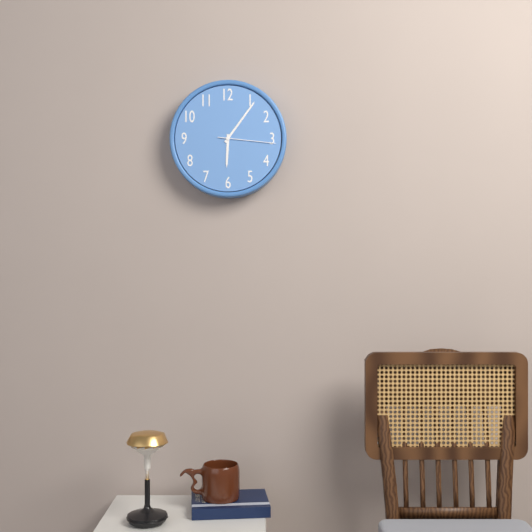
6:06:16
